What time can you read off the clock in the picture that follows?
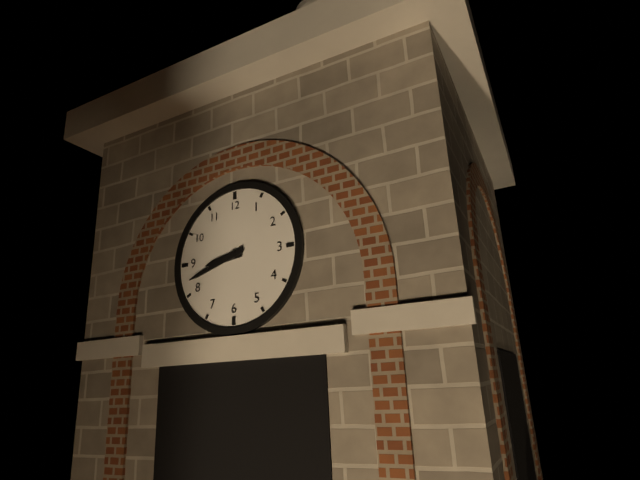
8:42
